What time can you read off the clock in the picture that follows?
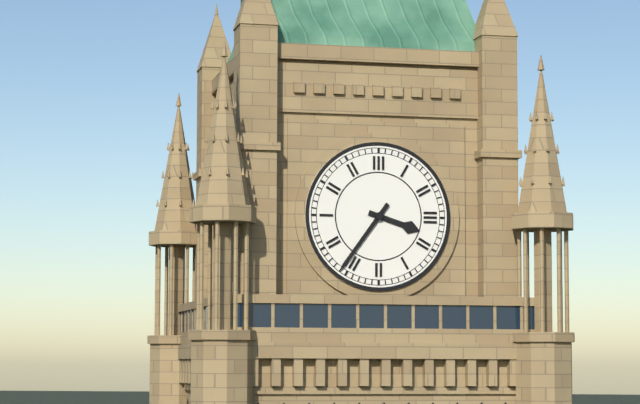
3:36
